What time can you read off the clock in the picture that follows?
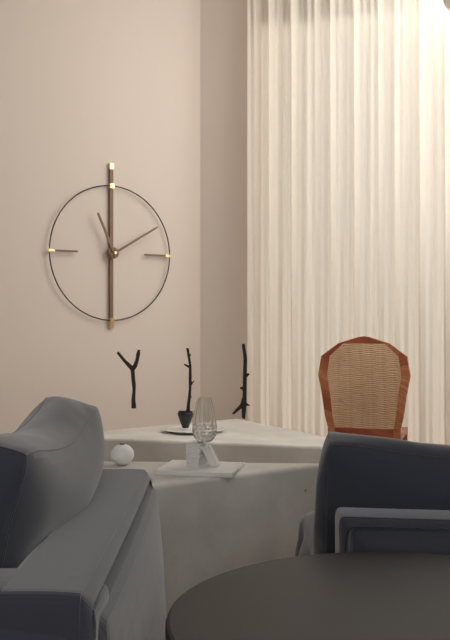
11:10
